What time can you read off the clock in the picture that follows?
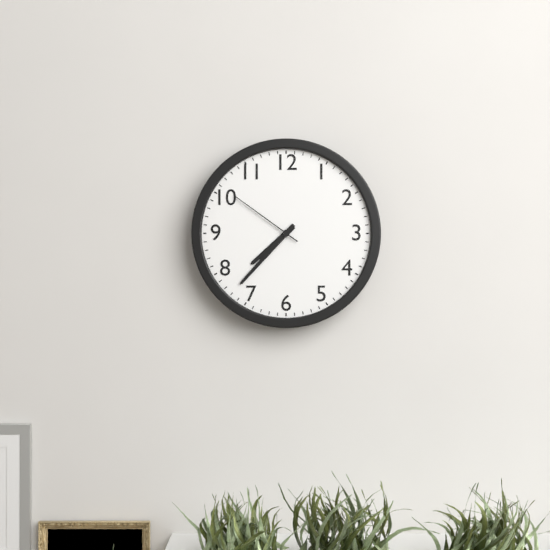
7:37:51
